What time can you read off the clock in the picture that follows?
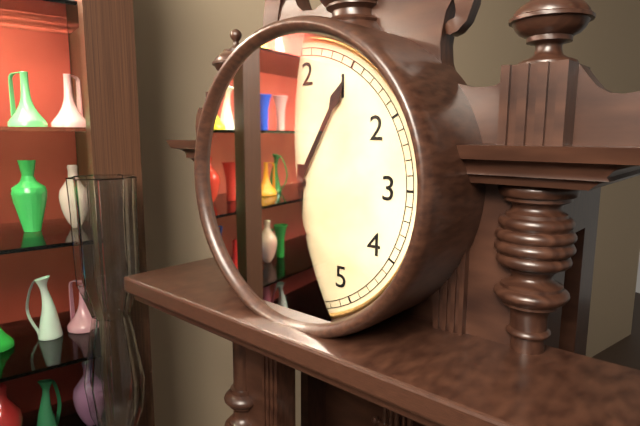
6:05
